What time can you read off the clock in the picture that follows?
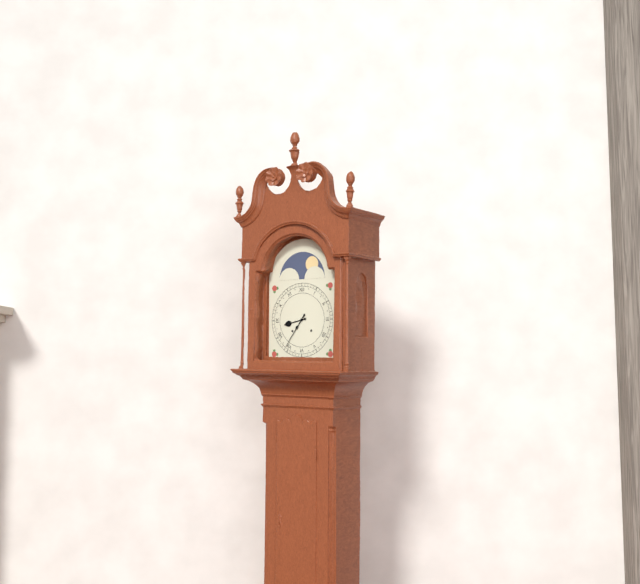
8:36
